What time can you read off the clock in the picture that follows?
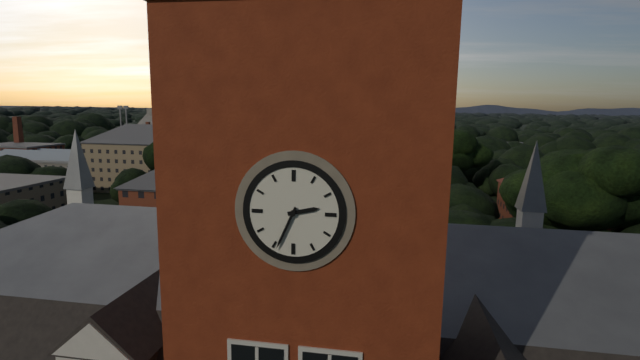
2:34
